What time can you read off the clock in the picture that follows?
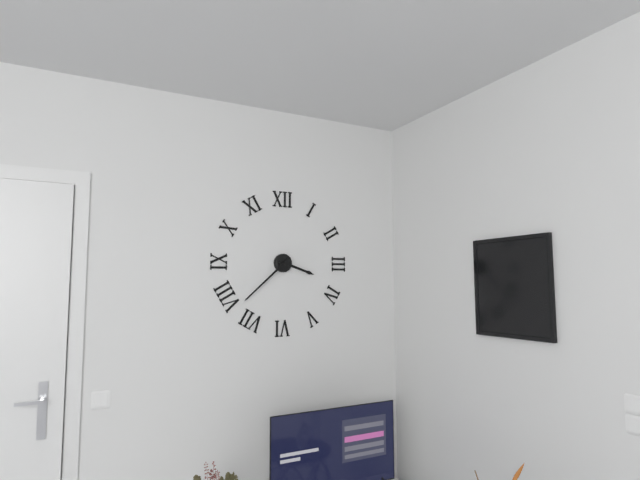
3:38
